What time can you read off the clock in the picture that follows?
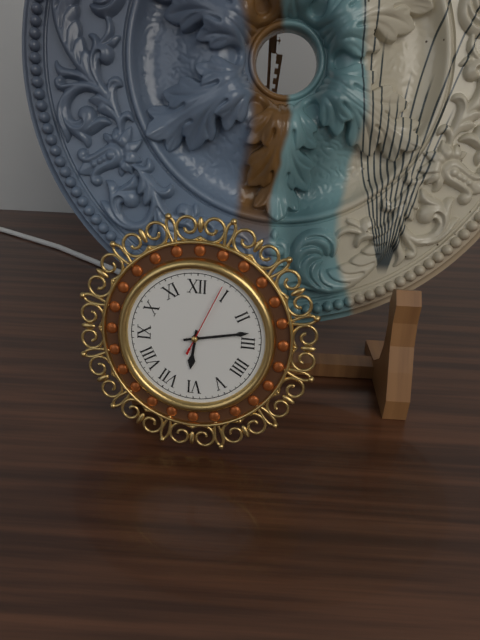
6:13:04
